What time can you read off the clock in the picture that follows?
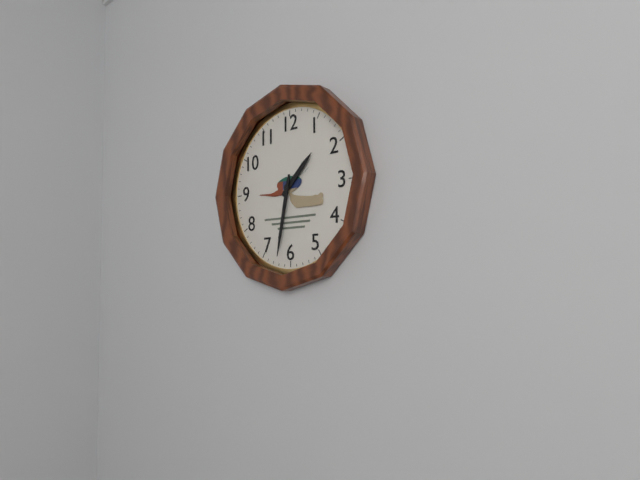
1:32
